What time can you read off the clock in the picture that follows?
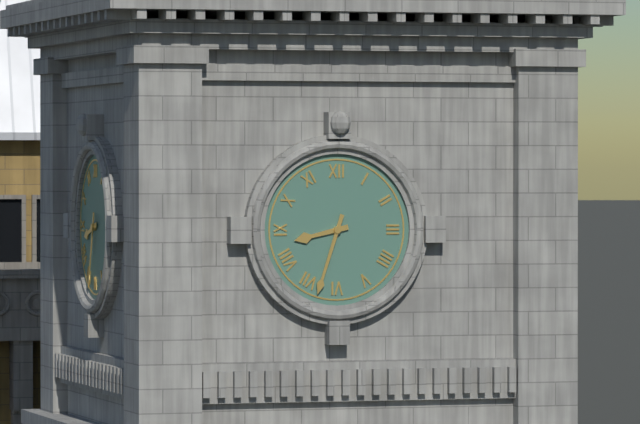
8:33
